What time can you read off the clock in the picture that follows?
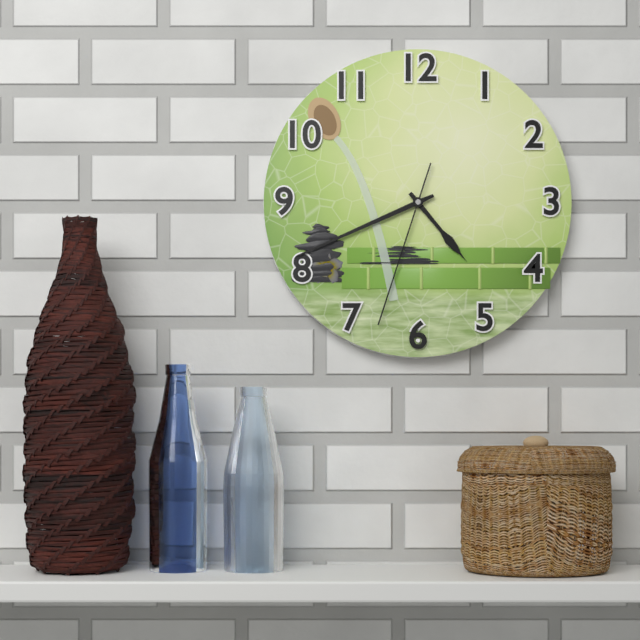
4:41:33
